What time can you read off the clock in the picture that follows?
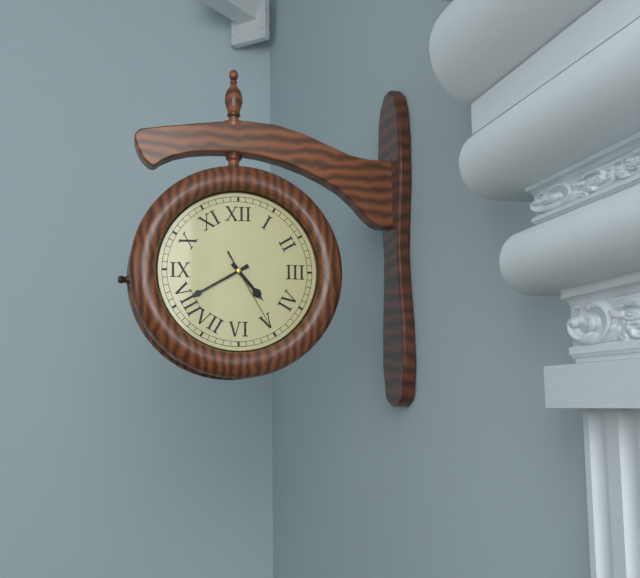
4:40:25
